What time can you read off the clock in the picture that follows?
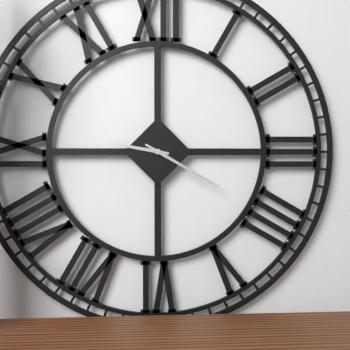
9:20
